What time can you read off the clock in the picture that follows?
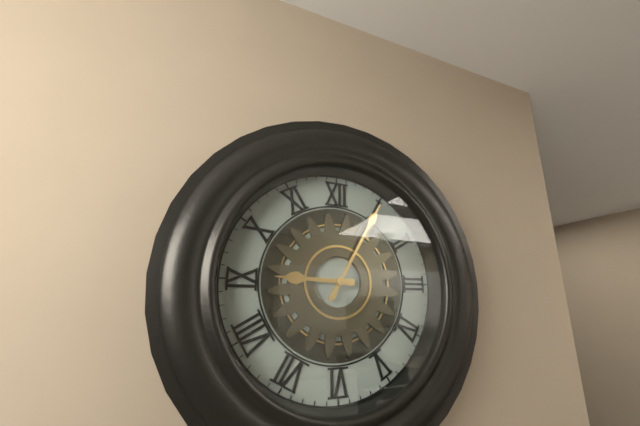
9:05
